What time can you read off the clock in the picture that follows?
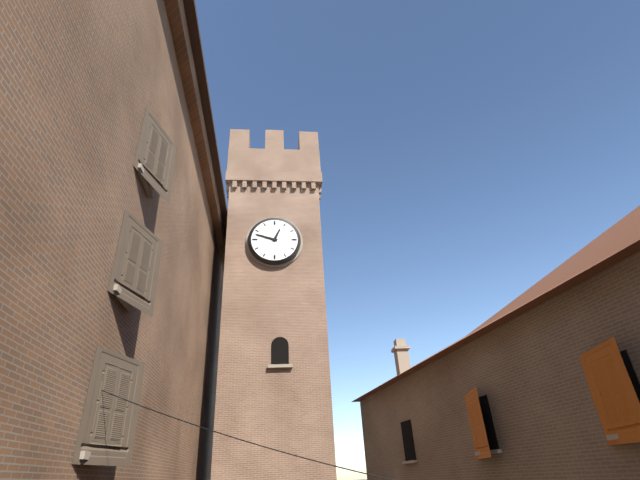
12:48
